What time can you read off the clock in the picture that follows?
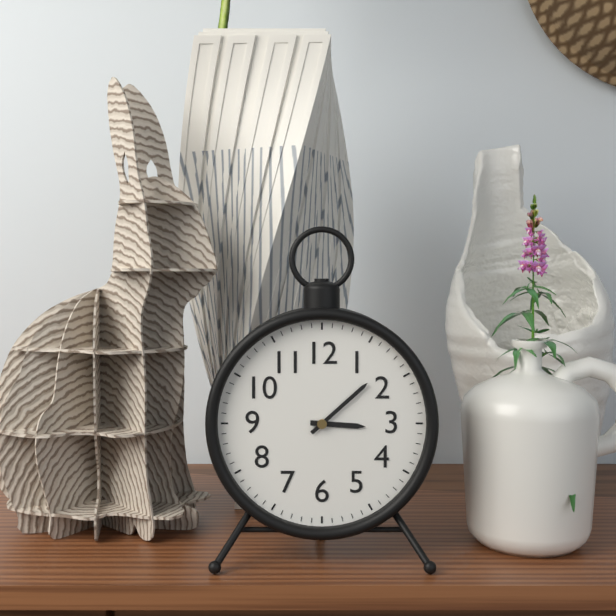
3:08
